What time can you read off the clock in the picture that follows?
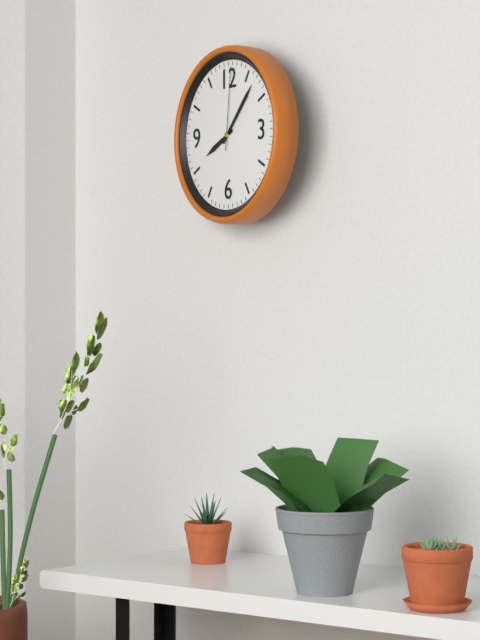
8:07:01
